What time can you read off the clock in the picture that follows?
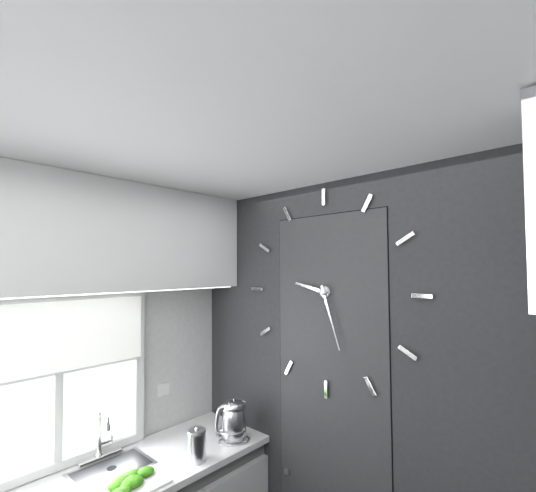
9:27
